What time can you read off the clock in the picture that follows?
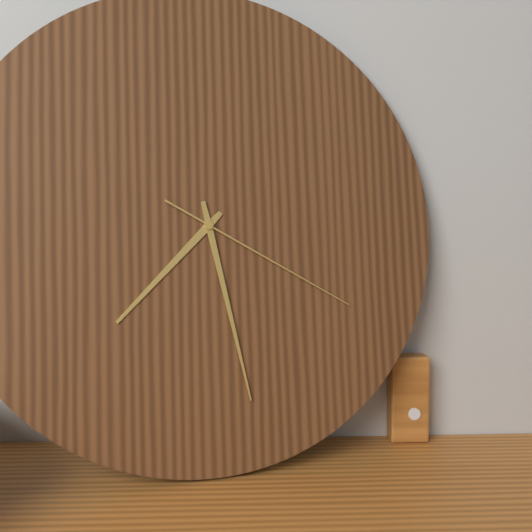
7:28:20
